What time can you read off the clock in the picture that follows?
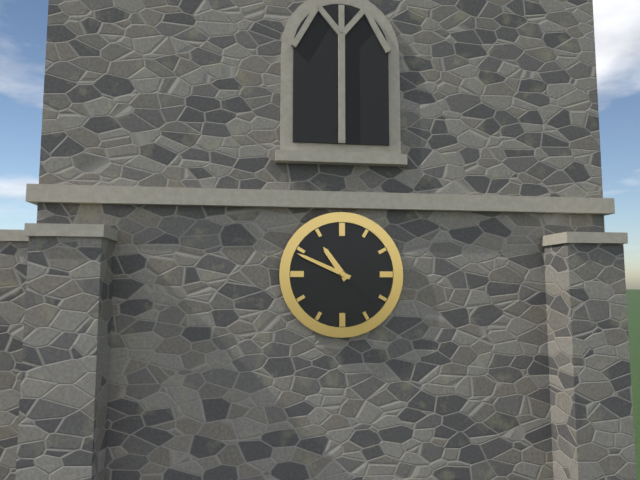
10:49
